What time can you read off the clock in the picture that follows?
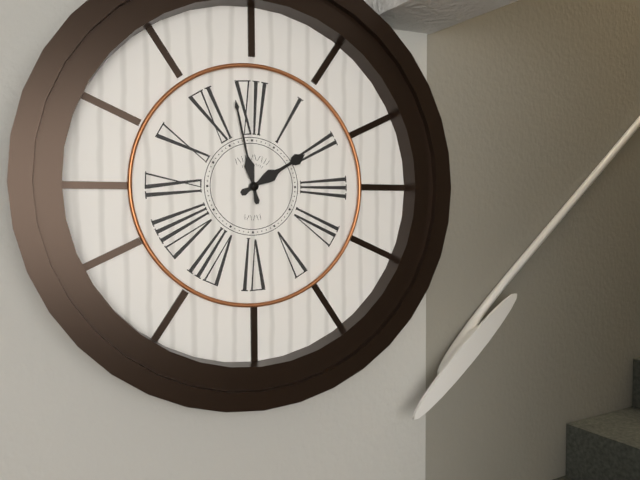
1:58
